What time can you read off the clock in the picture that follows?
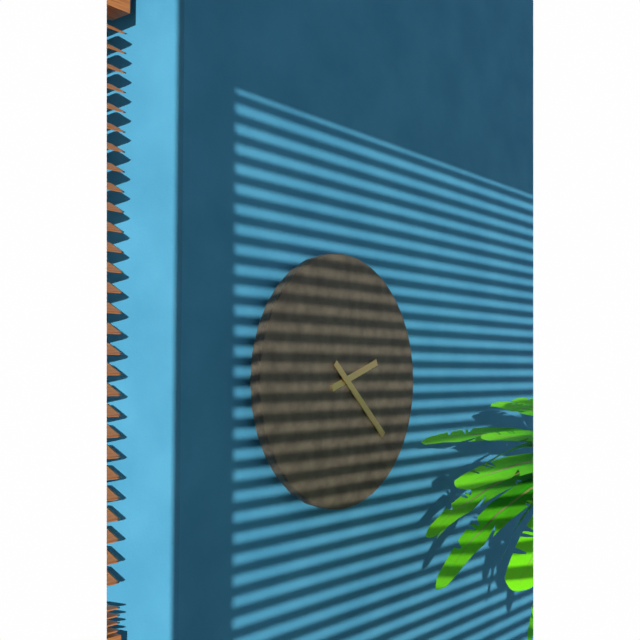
2:22
